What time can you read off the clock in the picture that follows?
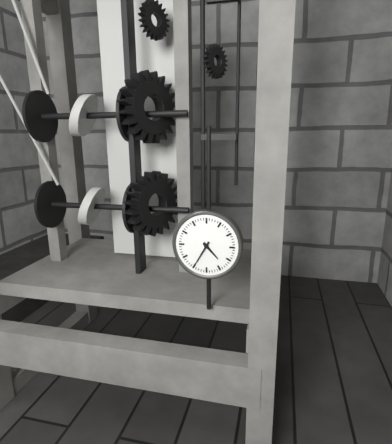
4:35
